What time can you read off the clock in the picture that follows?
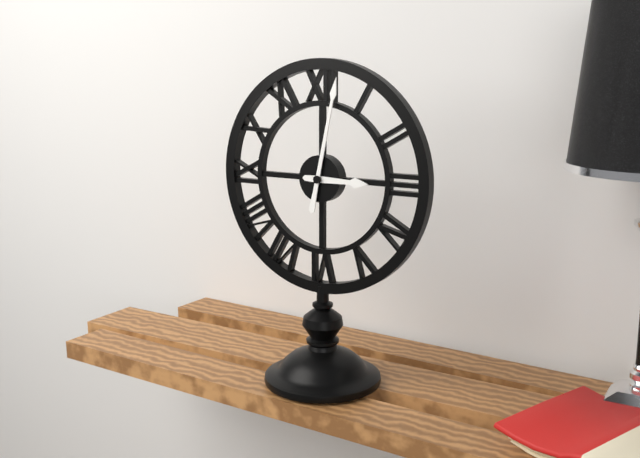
3:02
